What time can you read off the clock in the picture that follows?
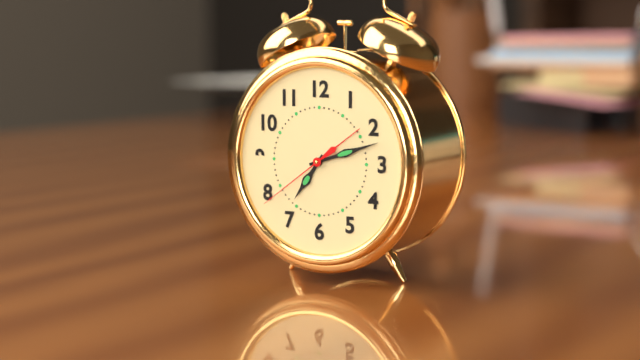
7:12:39
